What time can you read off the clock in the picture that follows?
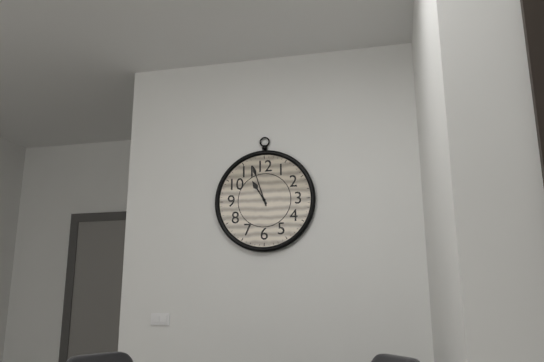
10:57
